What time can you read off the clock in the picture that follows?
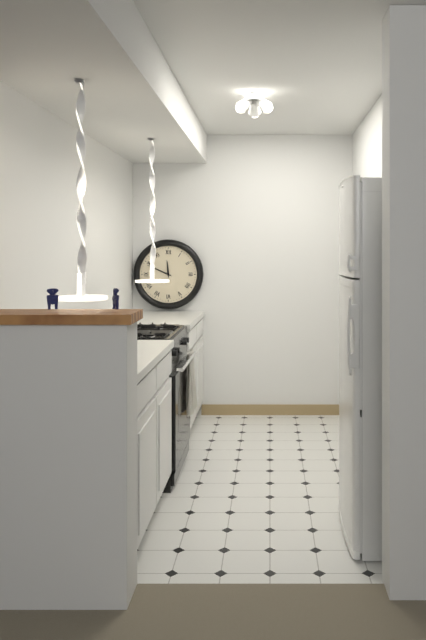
11:49
